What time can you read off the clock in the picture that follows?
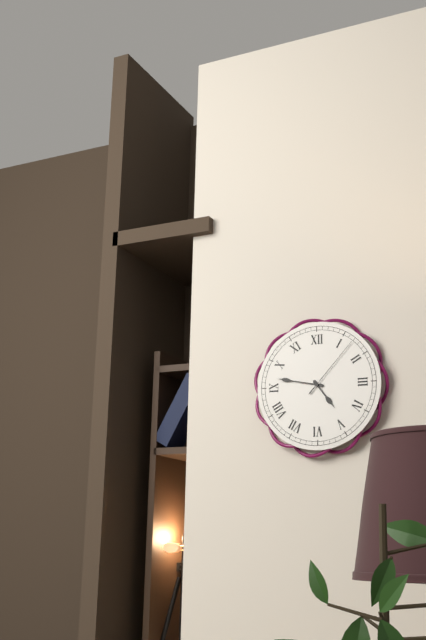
4:47:07
